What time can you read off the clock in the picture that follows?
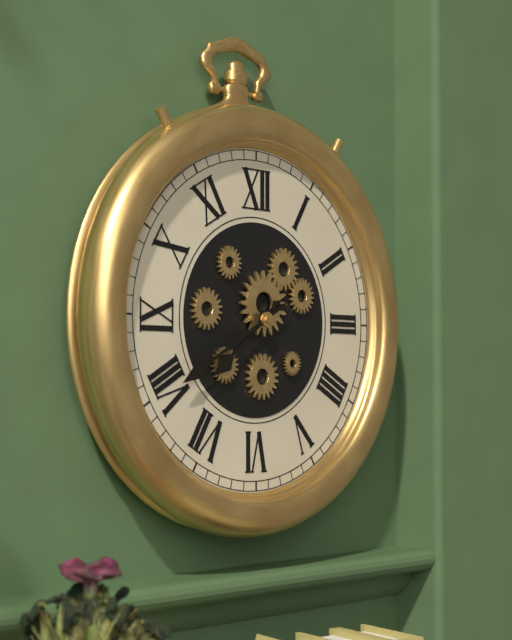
7:40
